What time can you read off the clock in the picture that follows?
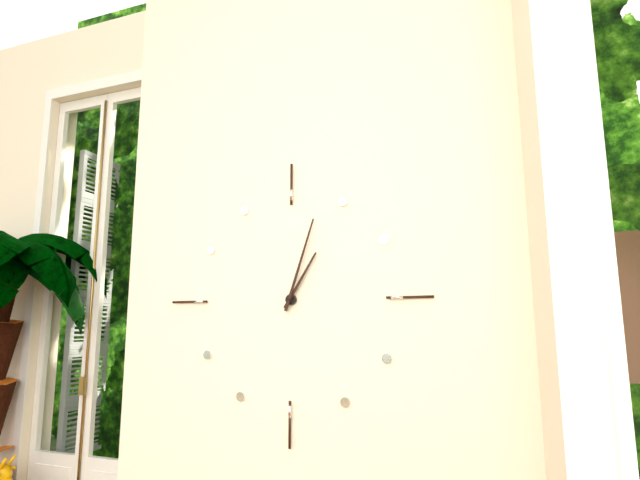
1:03
